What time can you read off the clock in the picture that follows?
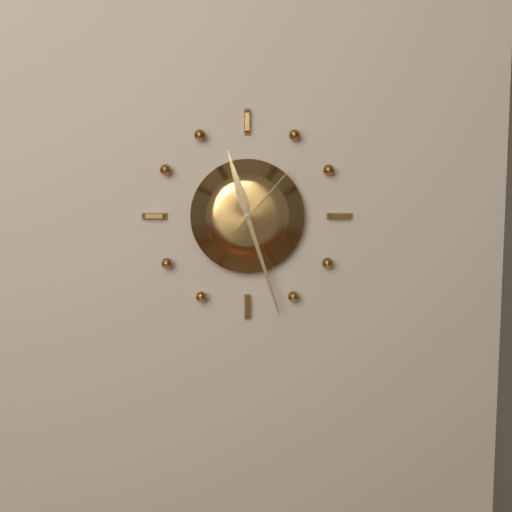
11:27:07
